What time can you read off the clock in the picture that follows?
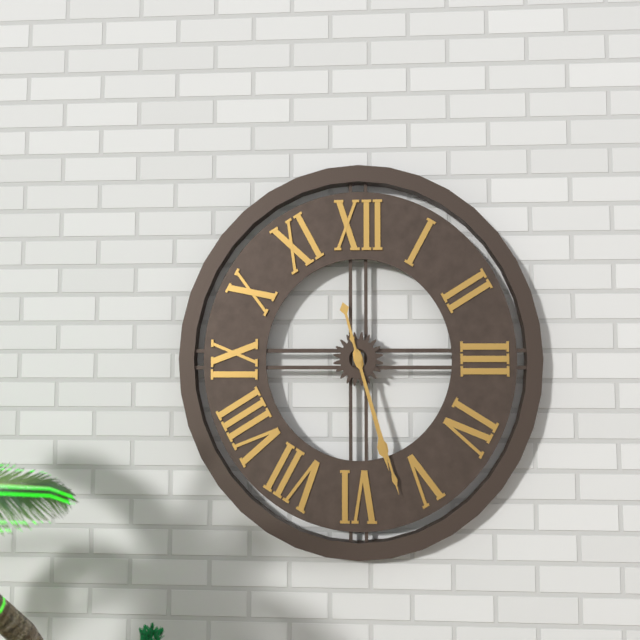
5:27
